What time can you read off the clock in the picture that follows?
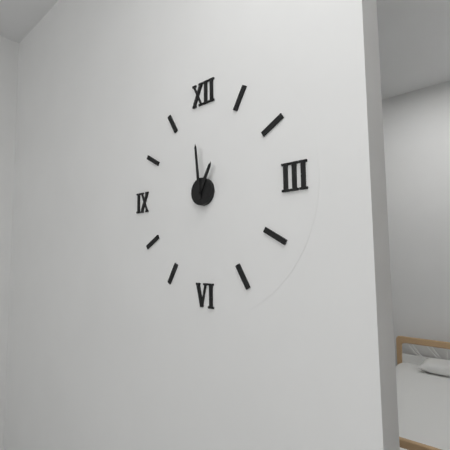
12:59
